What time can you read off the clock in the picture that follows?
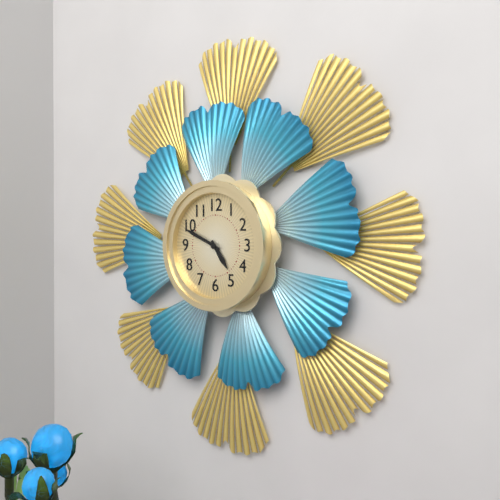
4:49
